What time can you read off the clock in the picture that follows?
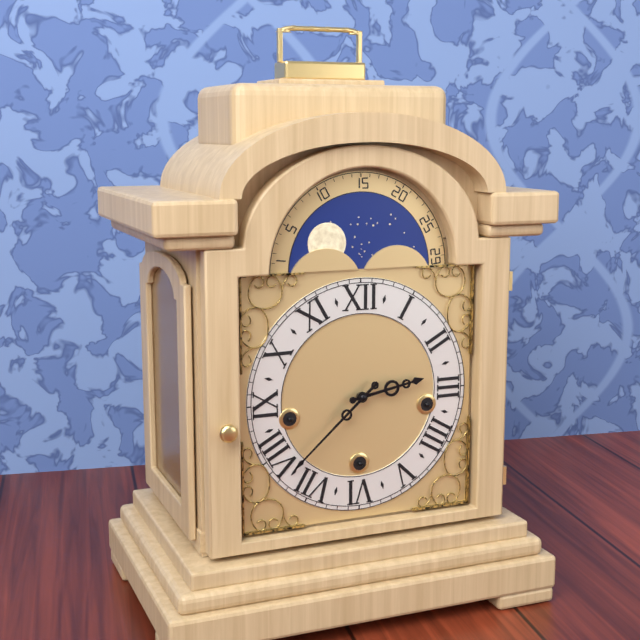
2:38
